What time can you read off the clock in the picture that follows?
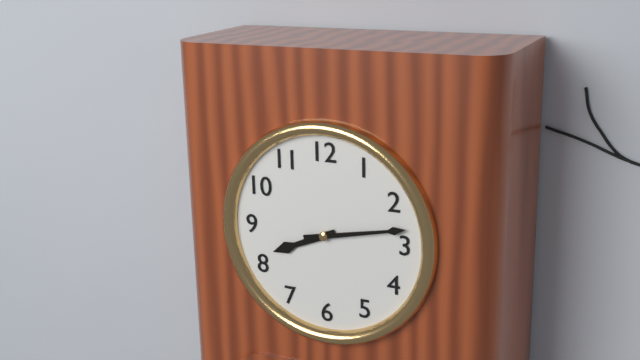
8:13
